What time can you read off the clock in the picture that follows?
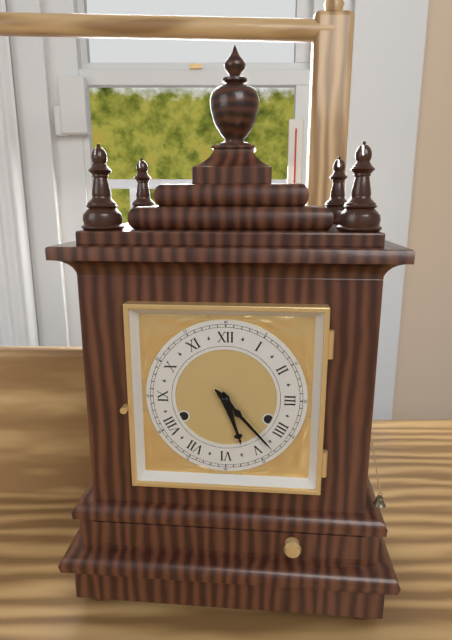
5:23
